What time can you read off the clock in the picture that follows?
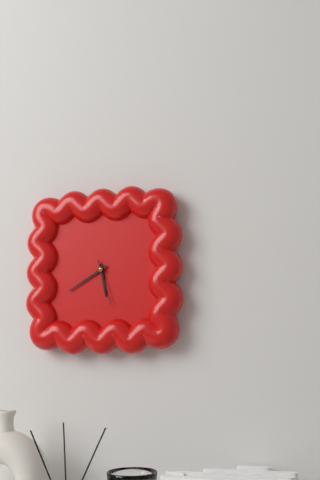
5:40
